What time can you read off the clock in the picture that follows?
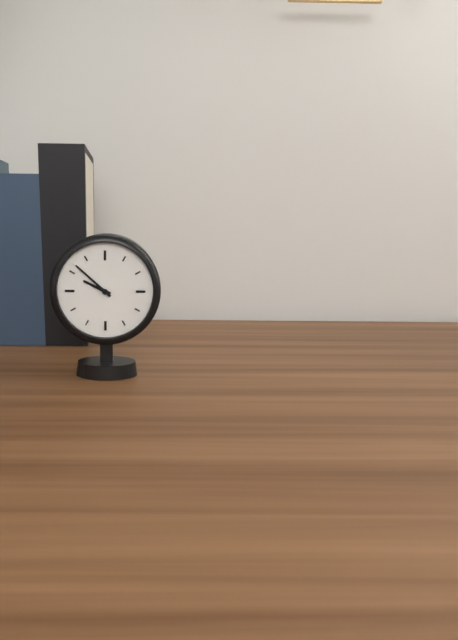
9:52
